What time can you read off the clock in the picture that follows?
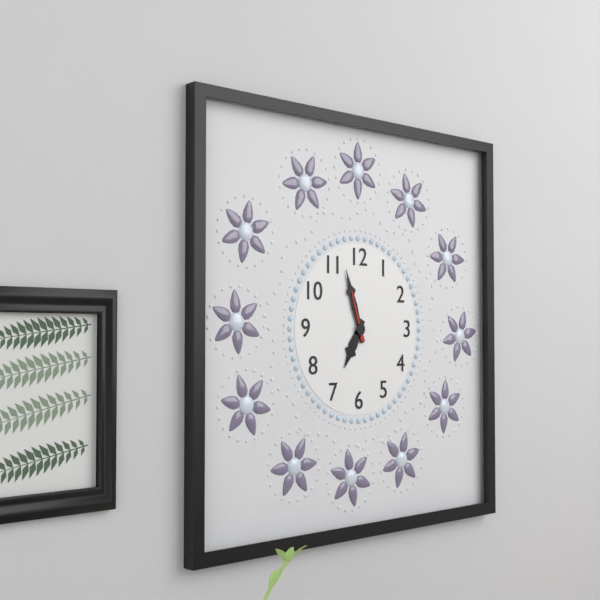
6:57:57
